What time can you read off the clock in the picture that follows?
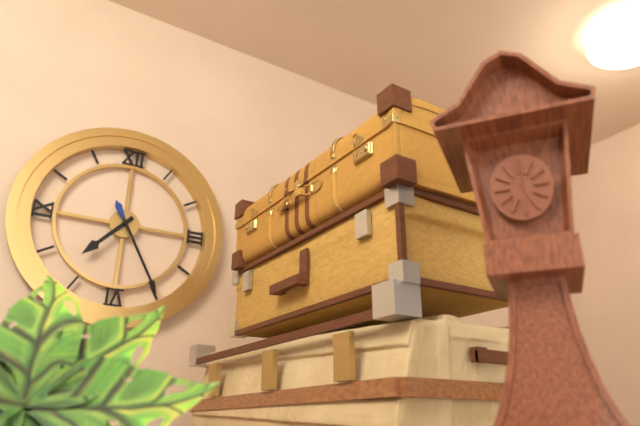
7:25
